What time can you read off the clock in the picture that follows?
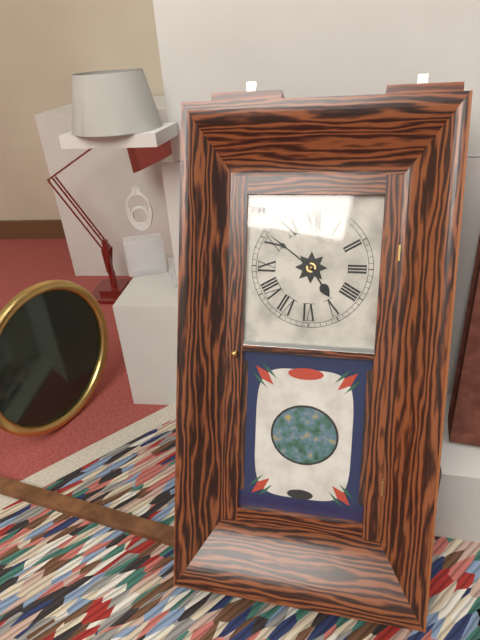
4:51
